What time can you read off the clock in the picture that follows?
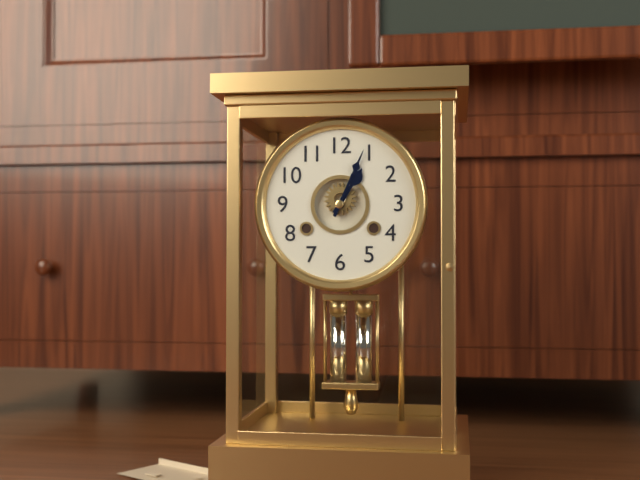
1:04
